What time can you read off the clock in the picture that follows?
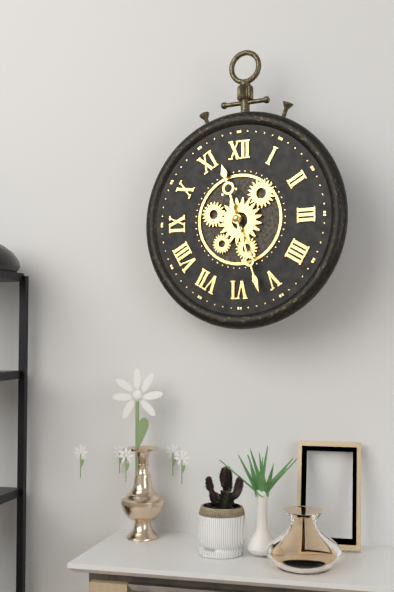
11:27
